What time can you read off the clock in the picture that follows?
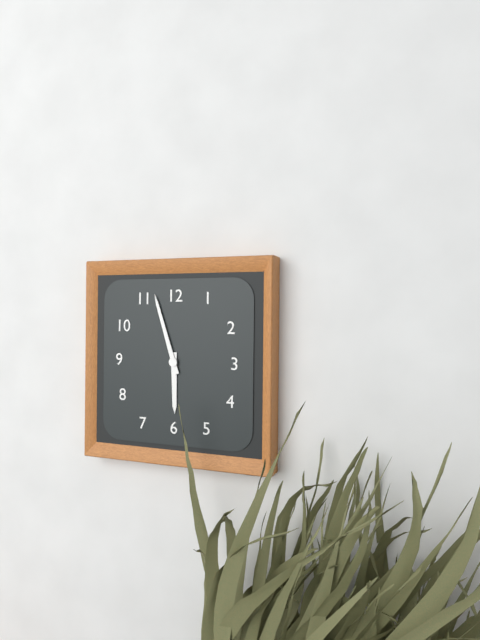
5:57
